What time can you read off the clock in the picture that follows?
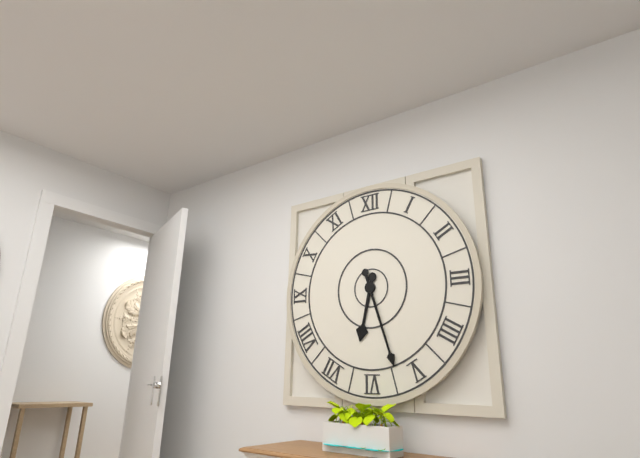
6:27
